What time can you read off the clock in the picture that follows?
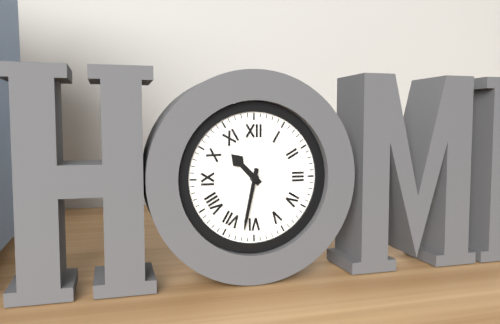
10:32
